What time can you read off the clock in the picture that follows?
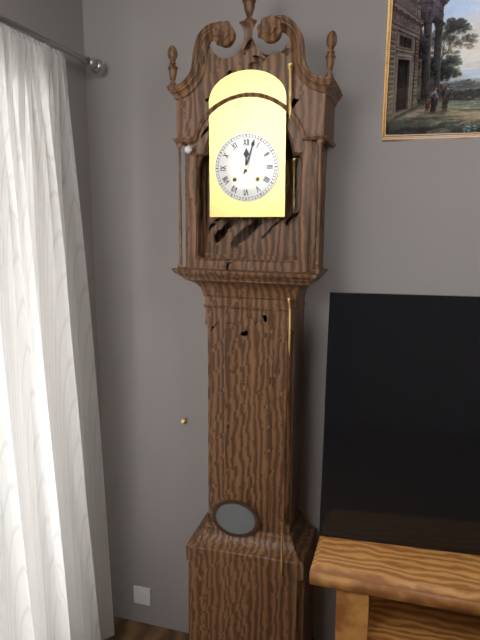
12:03
